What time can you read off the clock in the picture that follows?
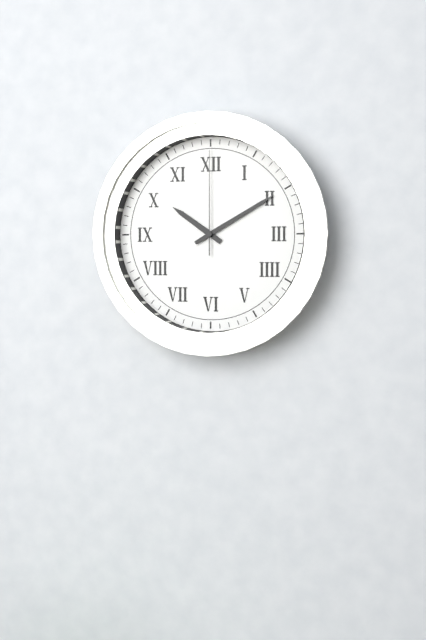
10:10:00
